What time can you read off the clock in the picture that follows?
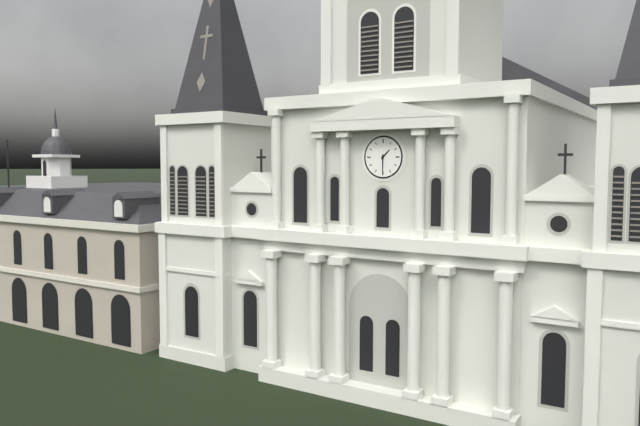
1:30
